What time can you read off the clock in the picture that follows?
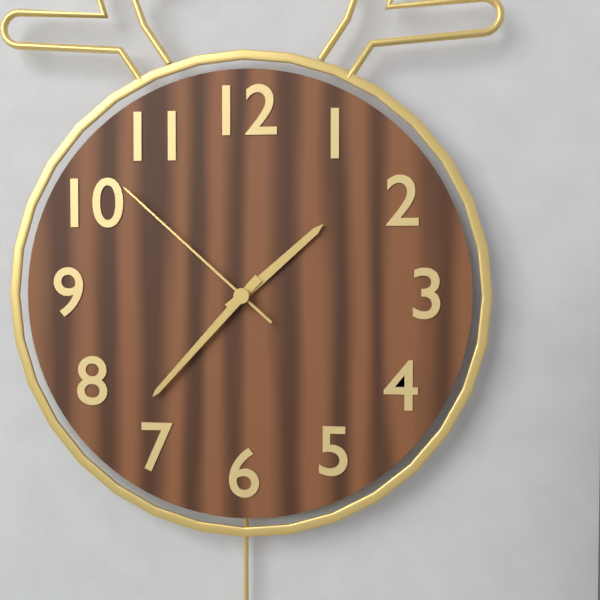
1:37:52
